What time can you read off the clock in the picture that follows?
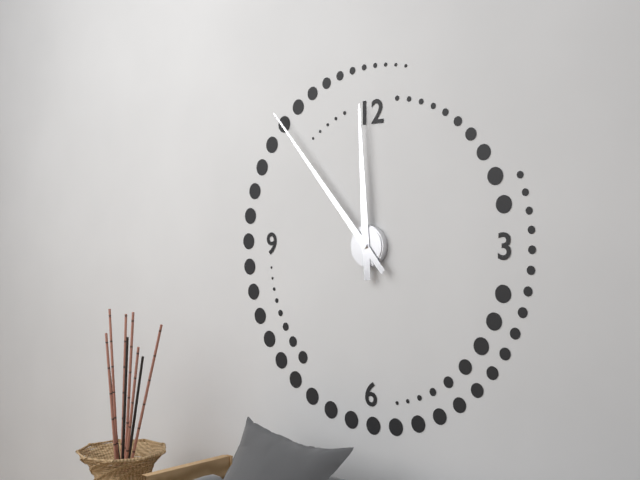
11:53
